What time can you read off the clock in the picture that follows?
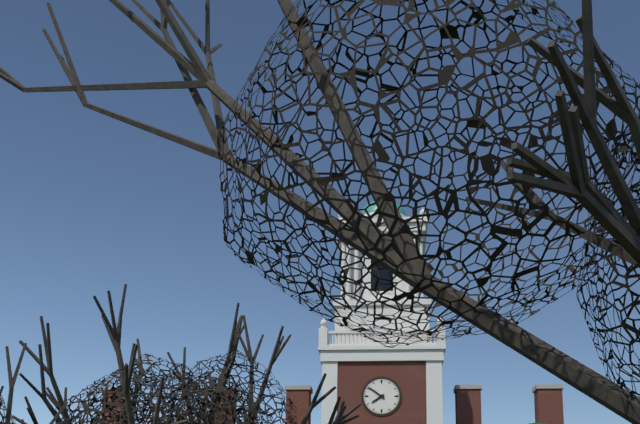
7:51
